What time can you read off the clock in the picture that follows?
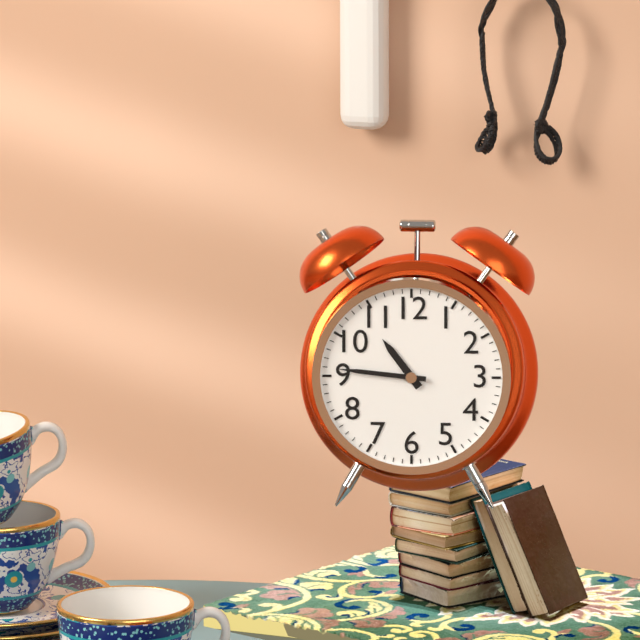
10:46
